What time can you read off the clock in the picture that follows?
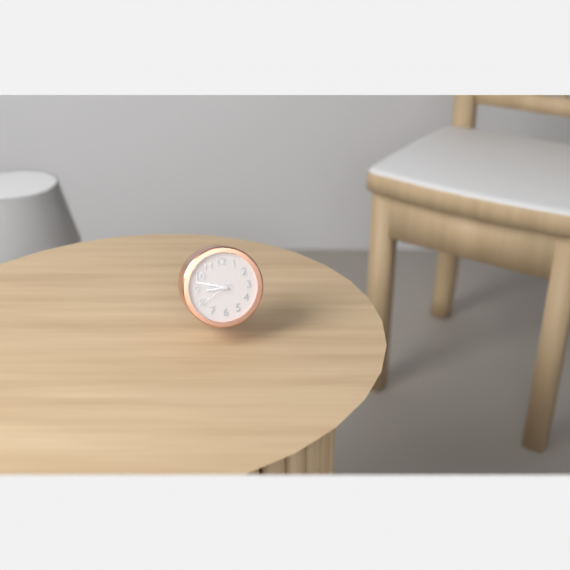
8:48
